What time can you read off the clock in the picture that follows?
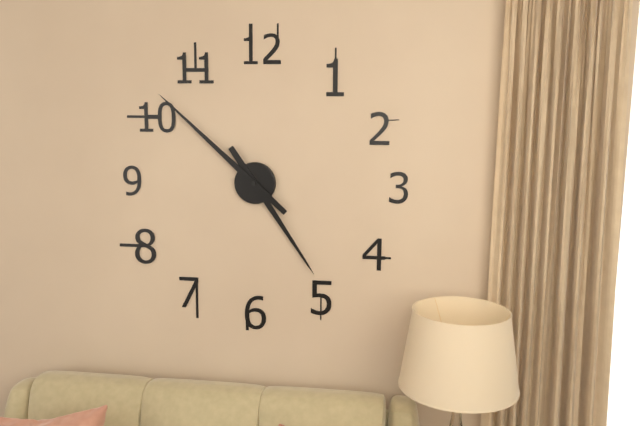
4:52
